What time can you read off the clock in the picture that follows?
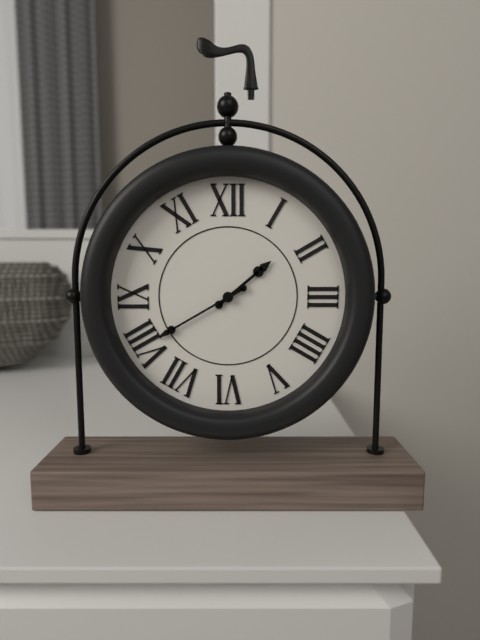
1:40
